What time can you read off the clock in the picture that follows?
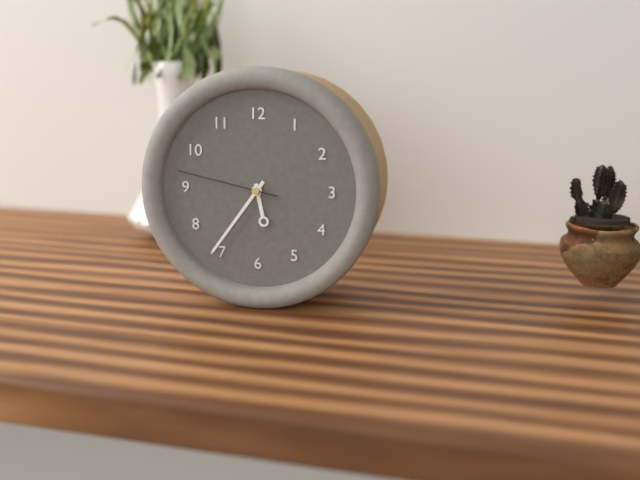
5:36:47
